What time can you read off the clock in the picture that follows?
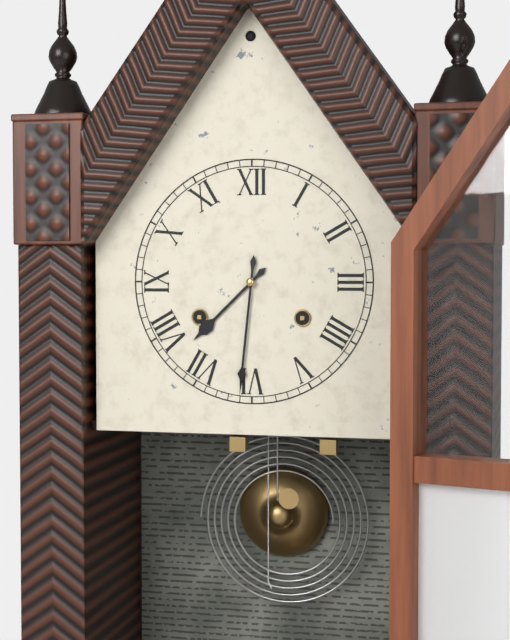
7:31
